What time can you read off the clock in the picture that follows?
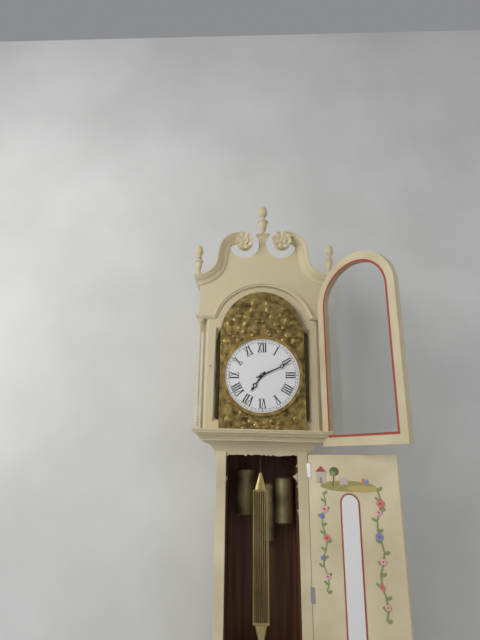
7:11
